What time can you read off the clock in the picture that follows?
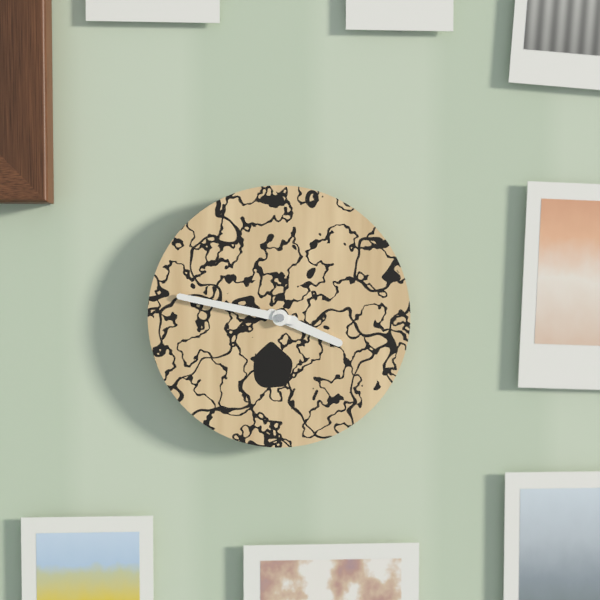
3:47
